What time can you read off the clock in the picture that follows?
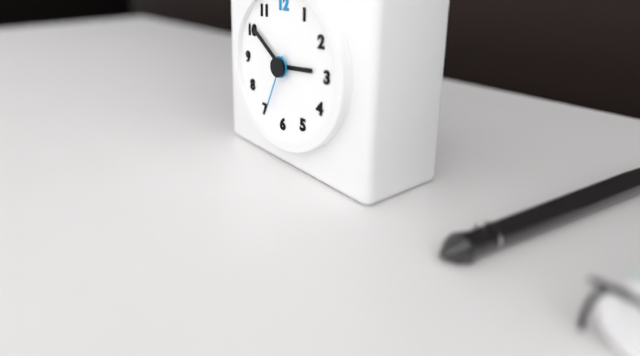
2:51:34
